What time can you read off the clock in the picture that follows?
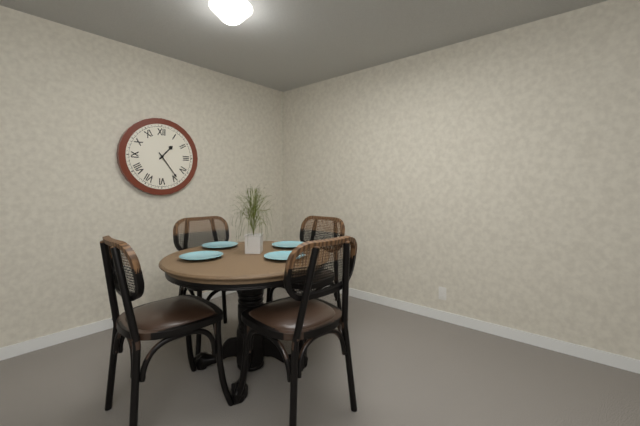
1:24
